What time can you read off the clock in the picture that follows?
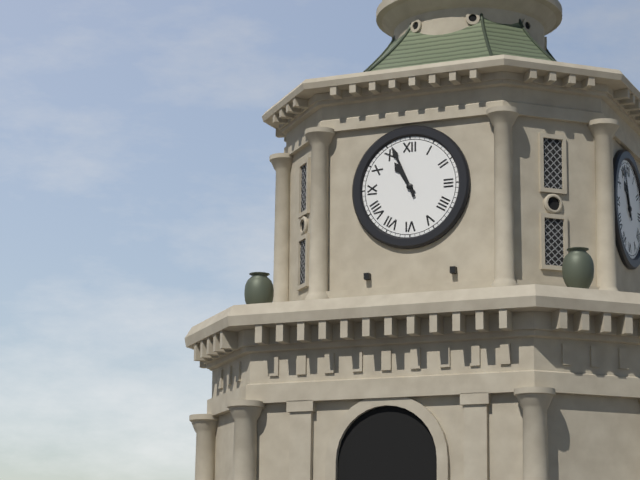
10:56
